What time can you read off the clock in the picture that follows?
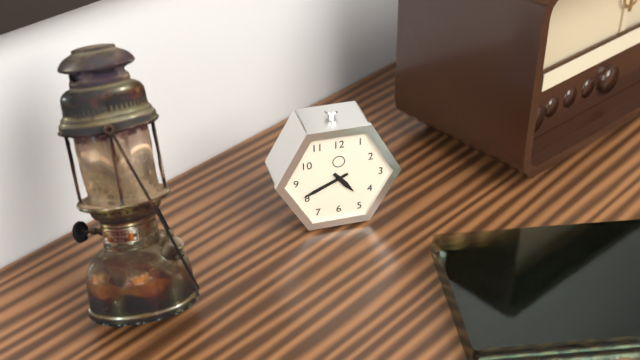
4:41
